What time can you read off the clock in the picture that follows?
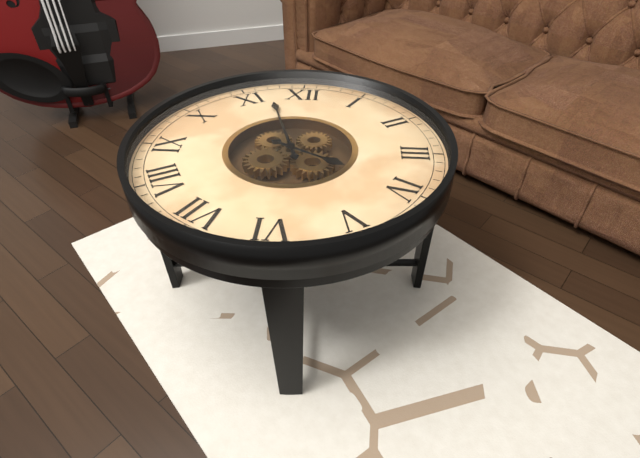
3:57
